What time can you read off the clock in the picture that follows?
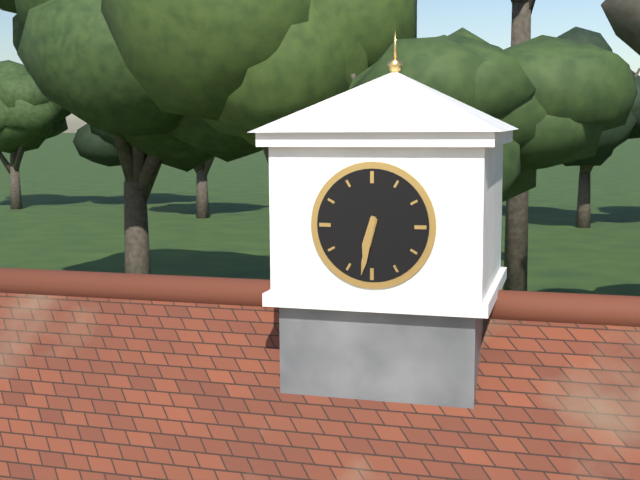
6:32
